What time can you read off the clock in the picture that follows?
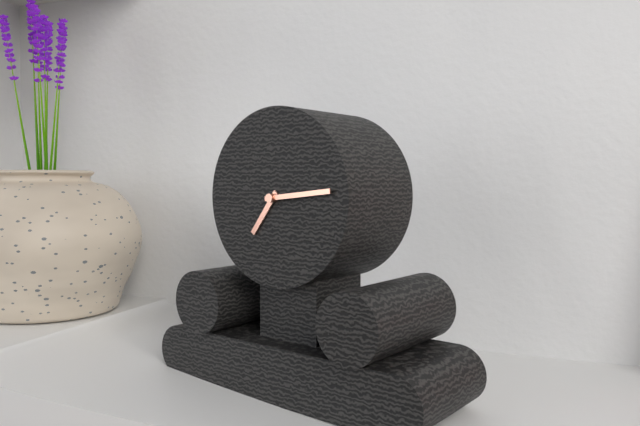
7:14
